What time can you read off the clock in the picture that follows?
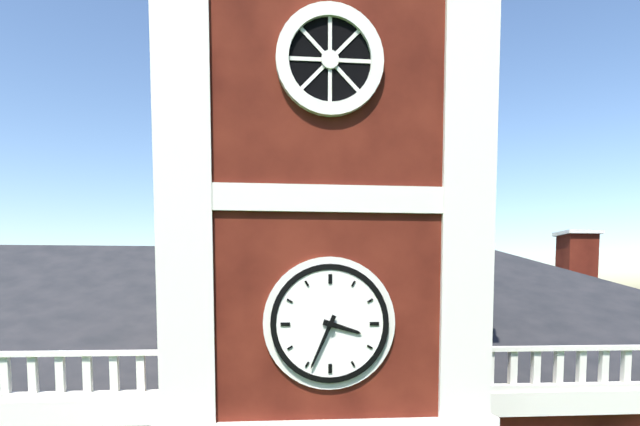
3:34
